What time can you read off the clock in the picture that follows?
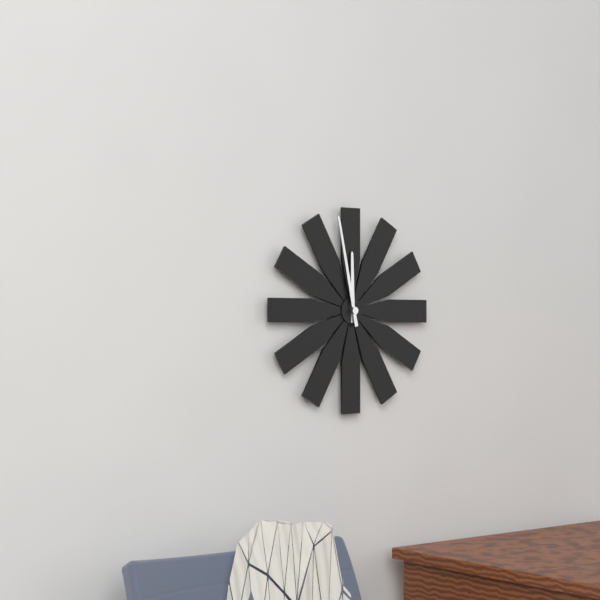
11:58
